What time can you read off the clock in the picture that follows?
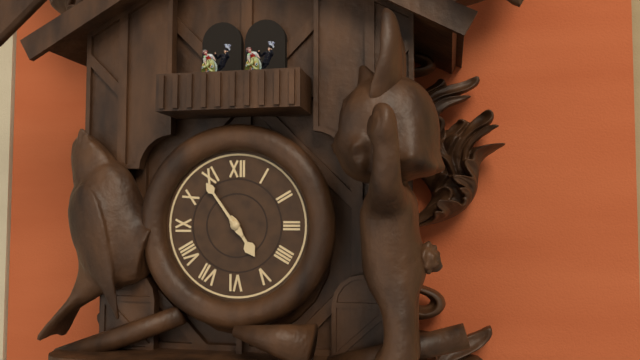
4:54
